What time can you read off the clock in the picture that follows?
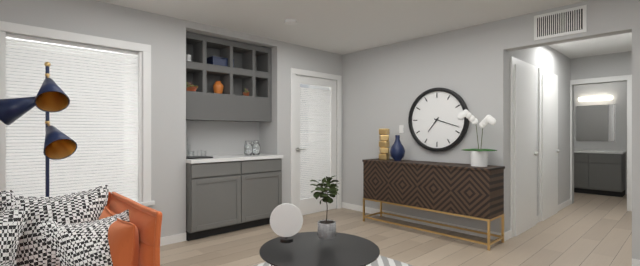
7:18
